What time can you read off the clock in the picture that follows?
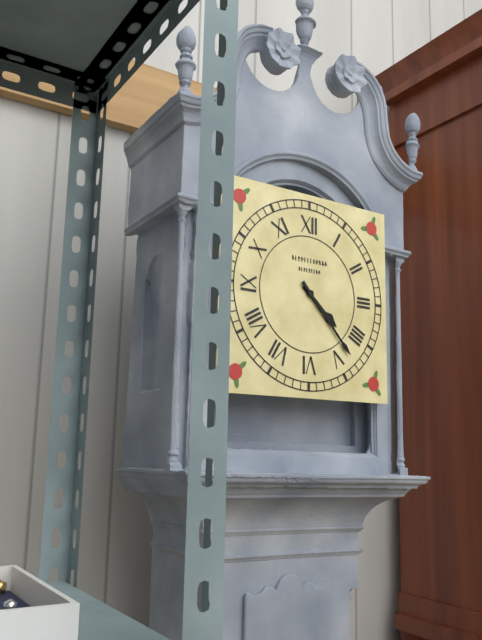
4:23
